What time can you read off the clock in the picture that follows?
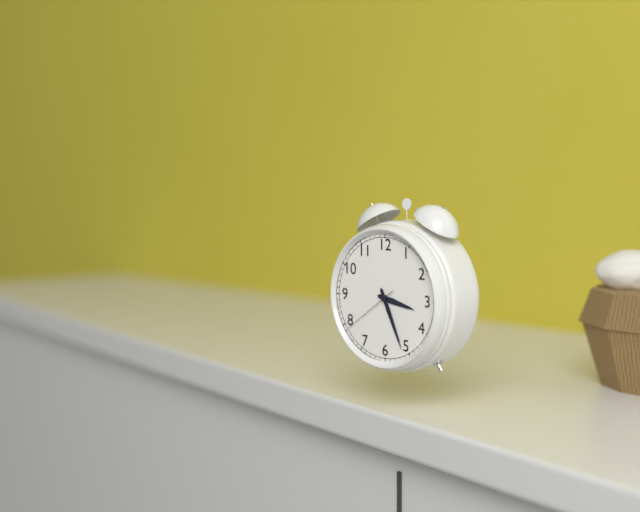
3:26:39
